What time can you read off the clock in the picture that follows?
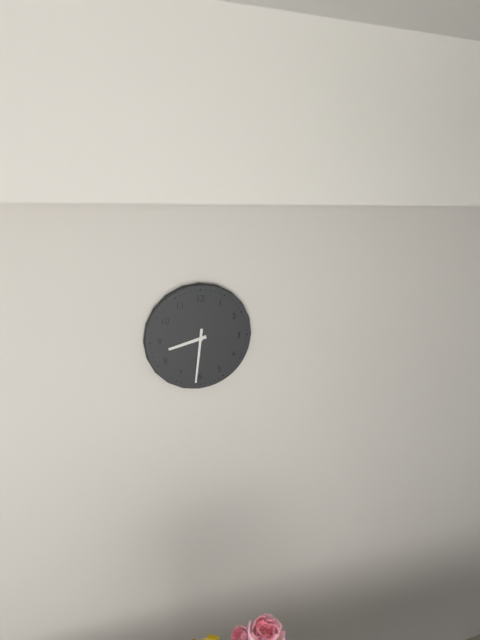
8:31
